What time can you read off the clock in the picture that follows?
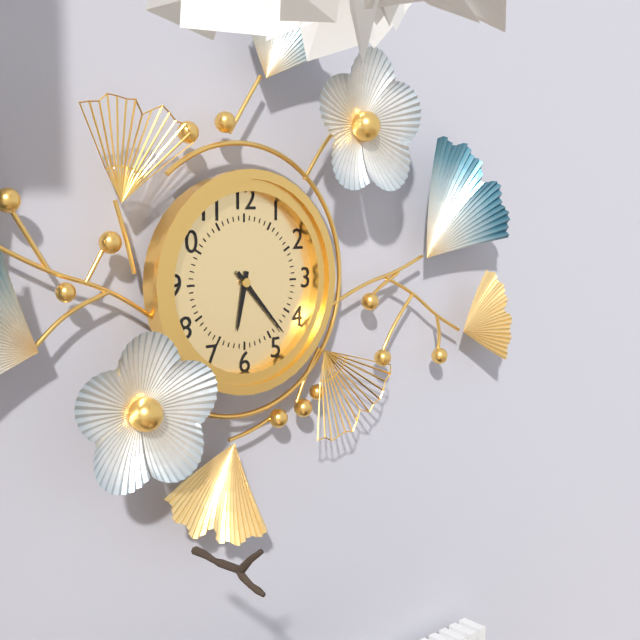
6:23
